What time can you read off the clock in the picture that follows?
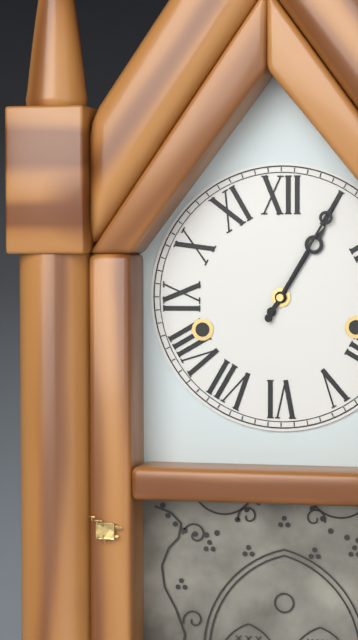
1:05
